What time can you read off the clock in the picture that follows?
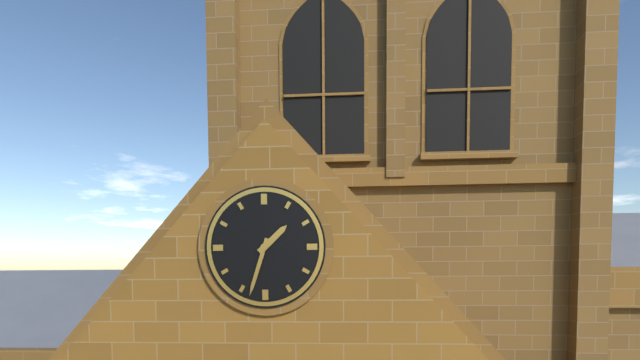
1:33
